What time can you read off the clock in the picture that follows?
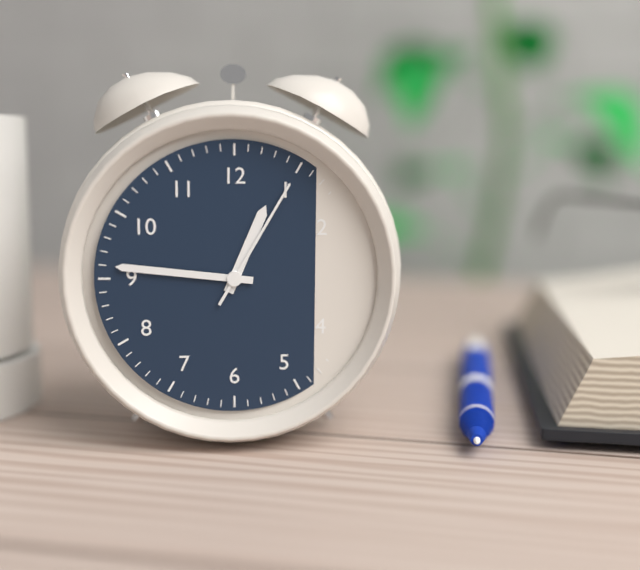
12:46:05
